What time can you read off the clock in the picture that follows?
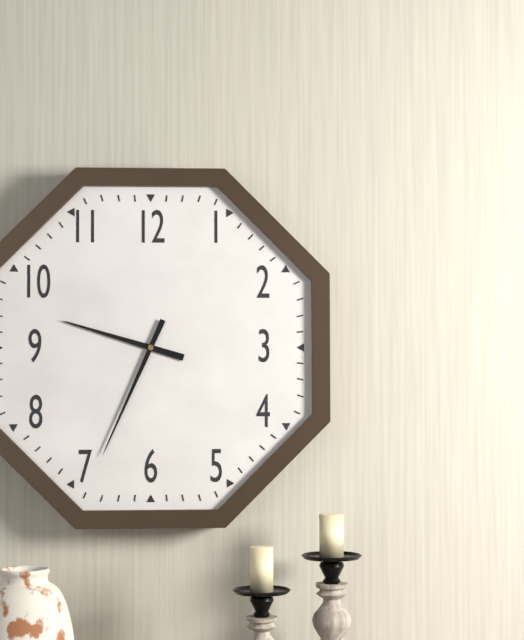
9:34
